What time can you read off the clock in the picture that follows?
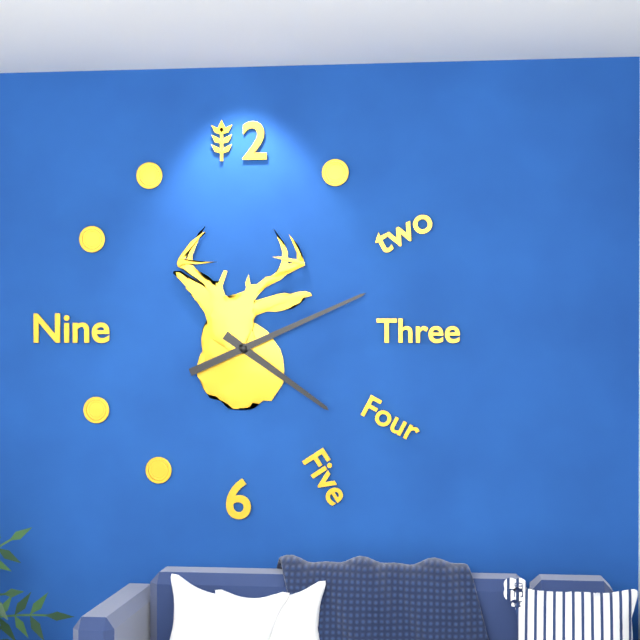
4:11
